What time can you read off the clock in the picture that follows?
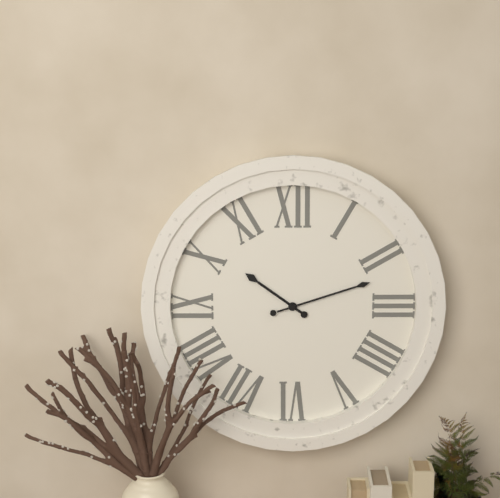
10:12
